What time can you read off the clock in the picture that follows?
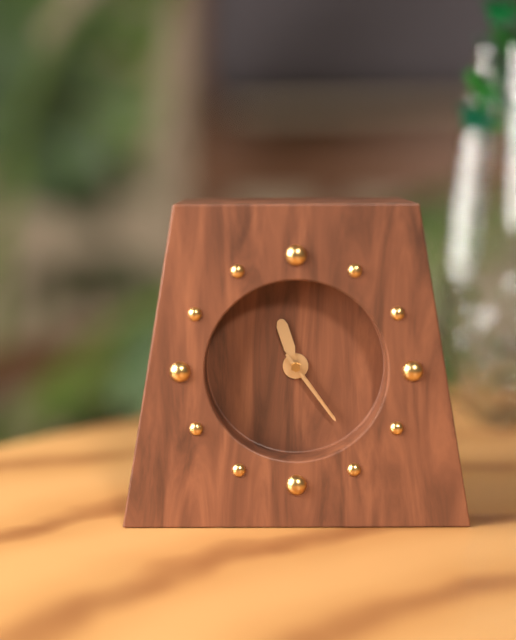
11:24:24
